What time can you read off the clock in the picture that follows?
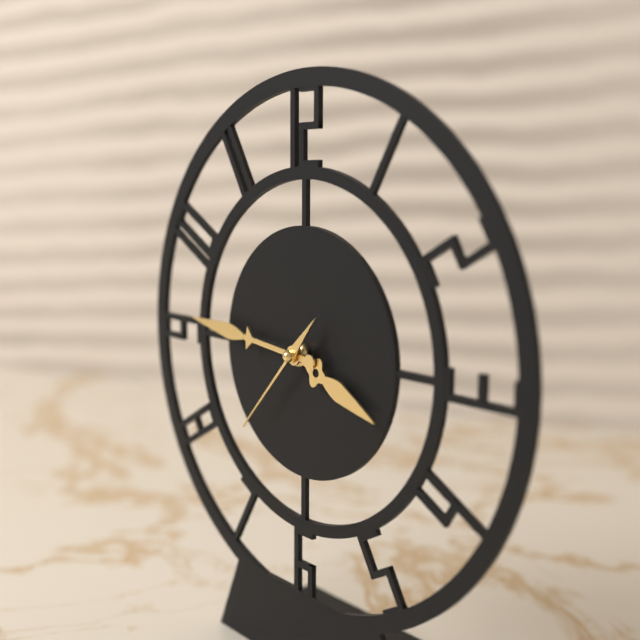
3:46:37
